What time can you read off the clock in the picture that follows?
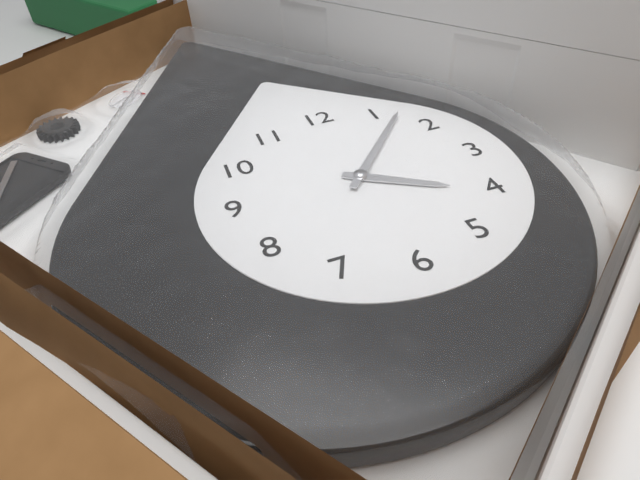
4:07
